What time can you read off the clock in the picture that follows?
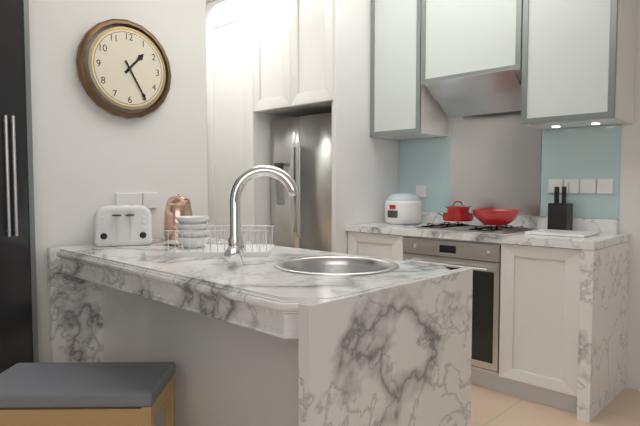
1:25
